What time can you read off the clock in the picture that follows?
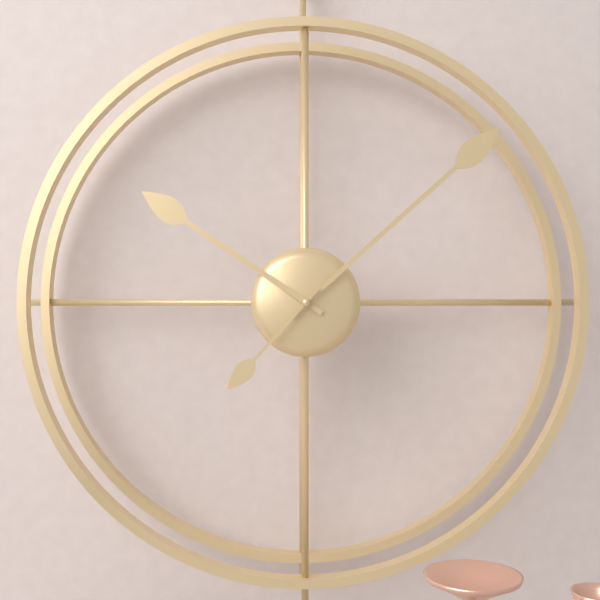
10:08:37
